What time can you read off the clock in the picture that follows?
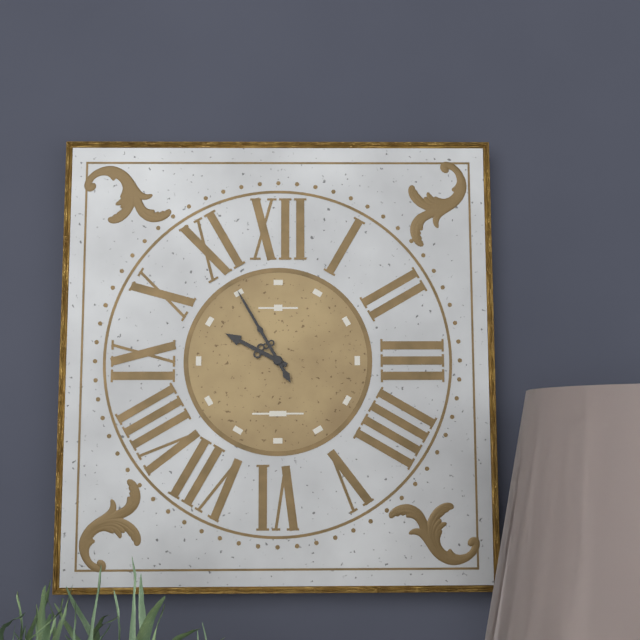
9:55
